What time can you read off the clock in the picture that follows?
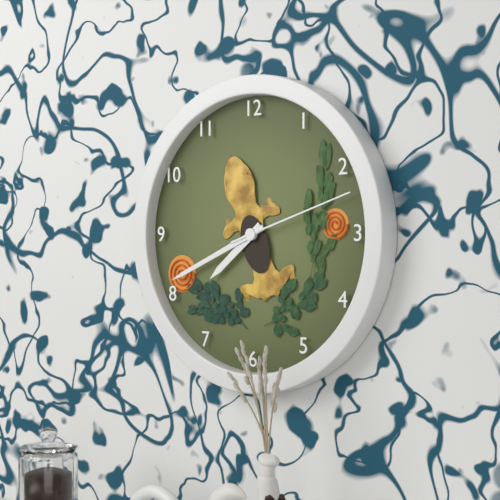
7:41:12
